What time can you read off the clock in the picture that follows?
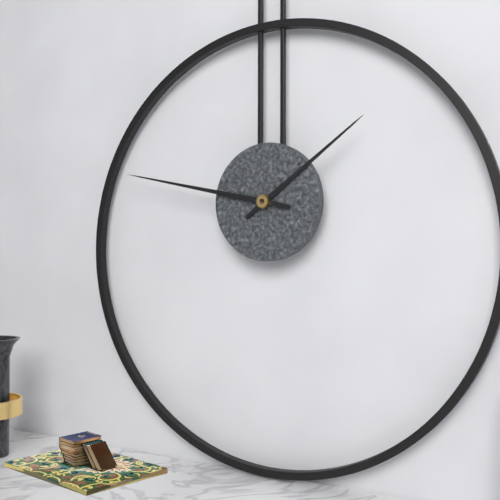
1:47
